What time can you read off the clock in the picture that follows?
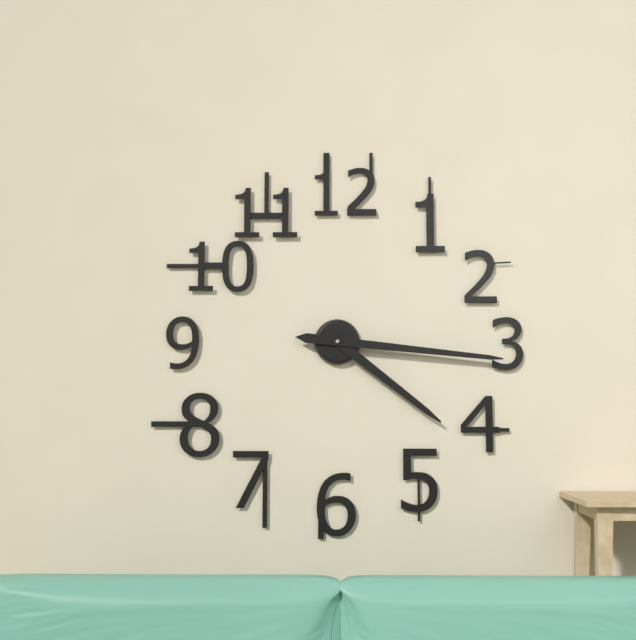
4:16
